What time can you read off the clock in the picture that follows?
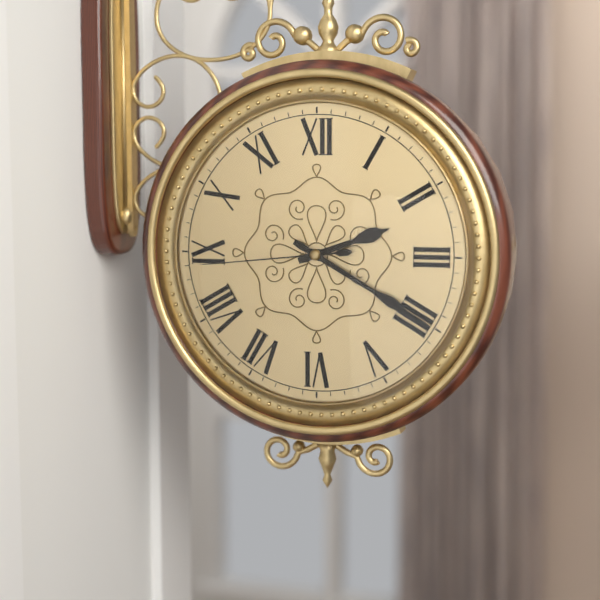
2:20:44
